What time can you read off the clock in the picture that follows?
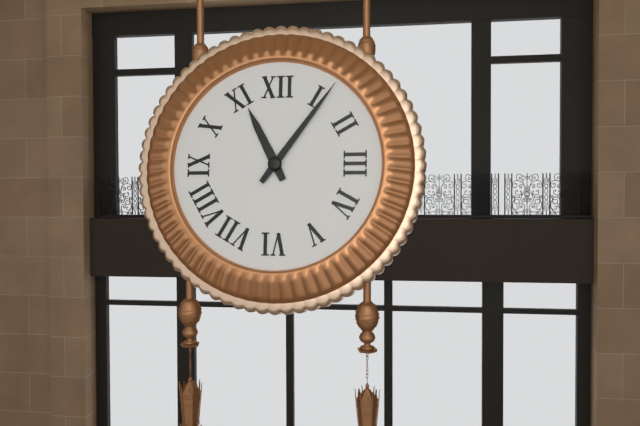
11:06
